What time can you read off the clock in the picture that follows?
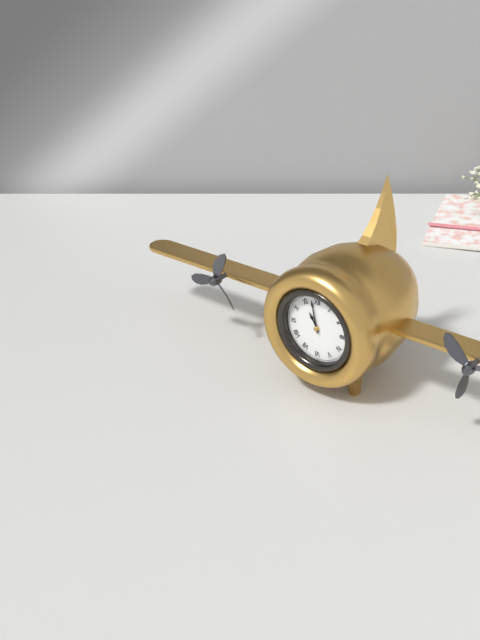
10:58
